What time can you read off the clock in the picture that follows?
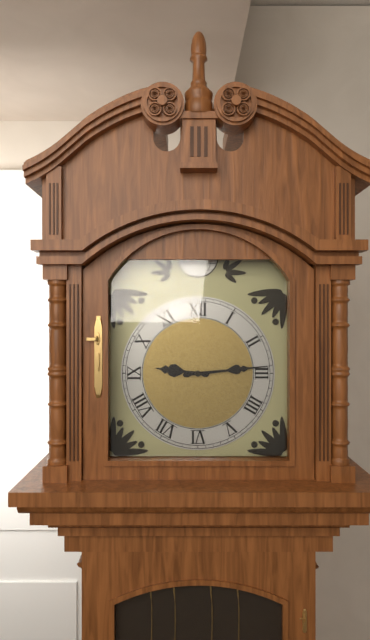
9:14
